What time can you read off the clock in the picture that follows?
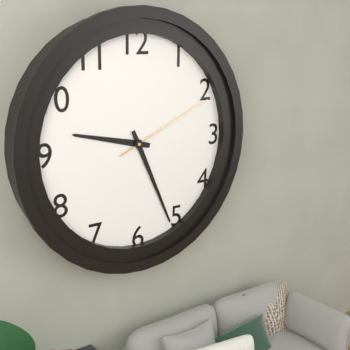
9:26:11
